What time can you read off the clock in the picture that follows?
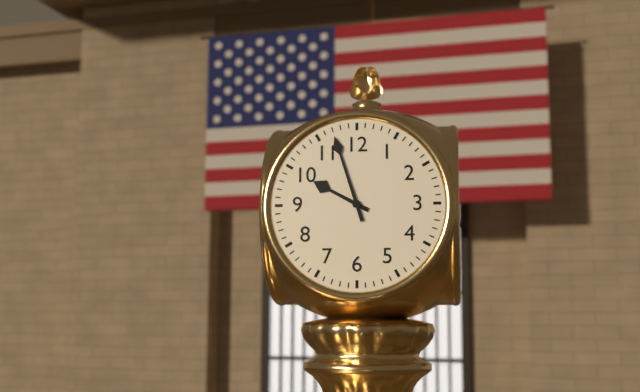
9:57
